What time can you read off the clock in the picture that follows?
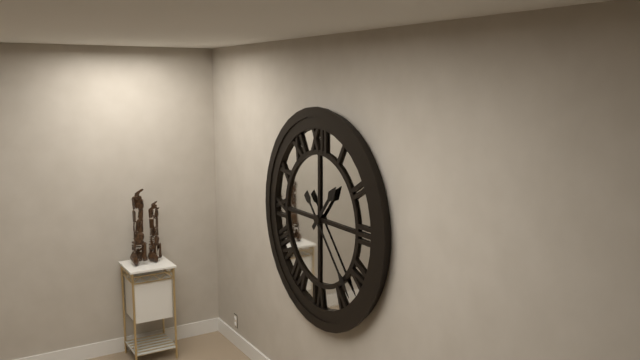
1:23
